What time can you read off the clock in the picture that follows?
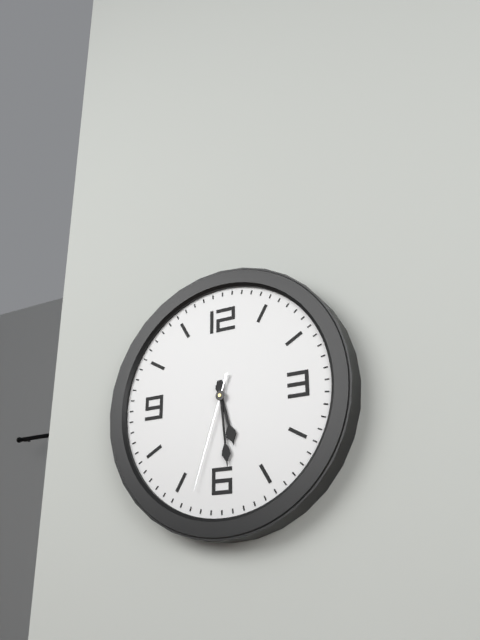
5:29:33
